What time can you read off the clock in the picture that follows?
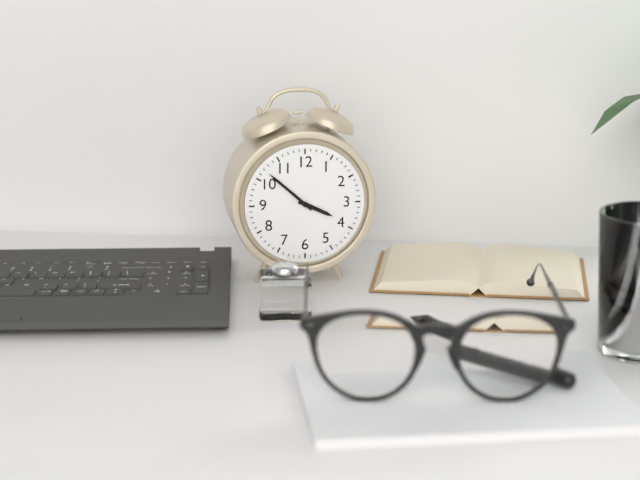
3:52
